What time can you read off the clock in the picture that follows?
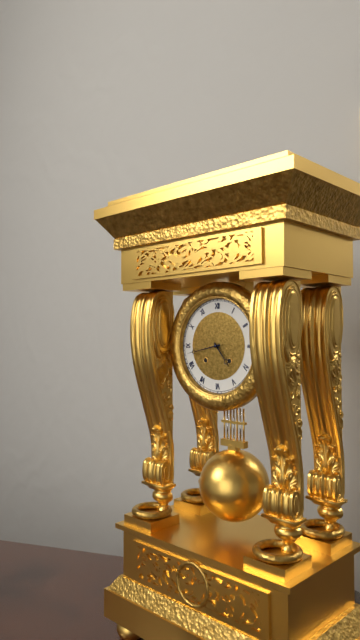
4:43
